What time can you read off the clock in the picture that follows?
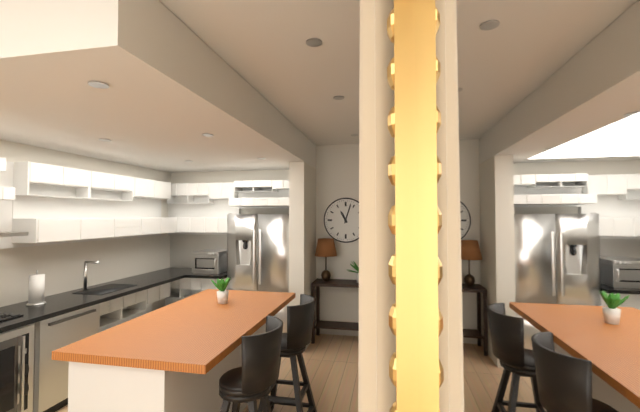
11:03
